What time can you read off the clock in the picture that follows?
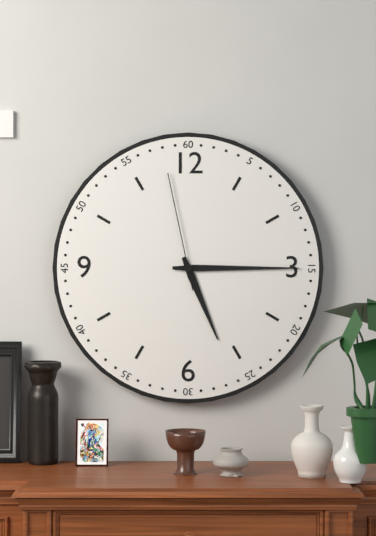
5:15:58
